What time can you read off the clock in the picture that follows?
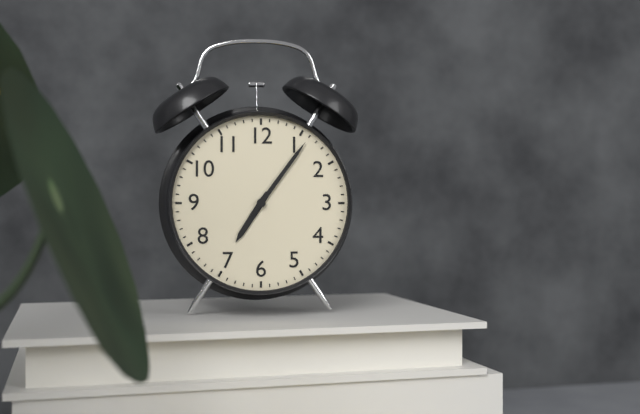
7:06
